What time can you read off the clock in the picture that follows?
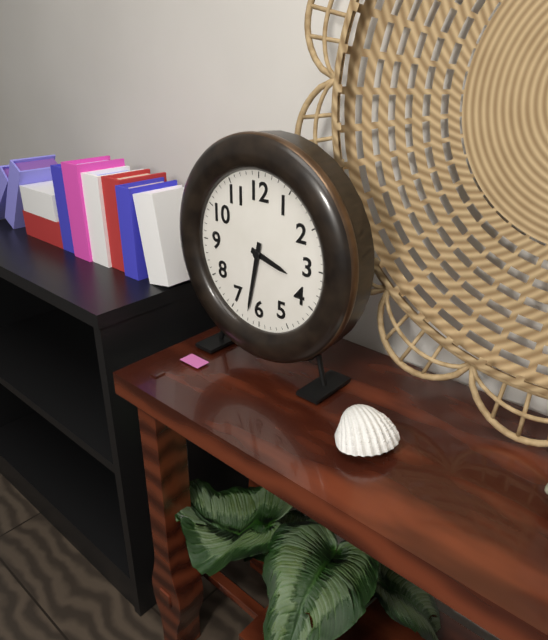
3:32
